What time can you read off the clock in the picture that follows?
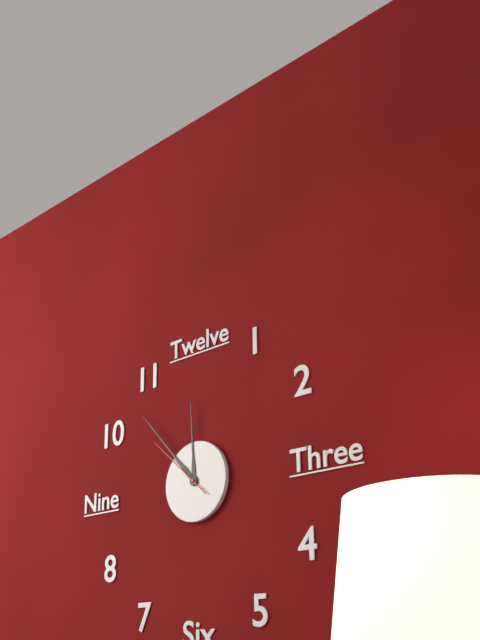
11:53:52
